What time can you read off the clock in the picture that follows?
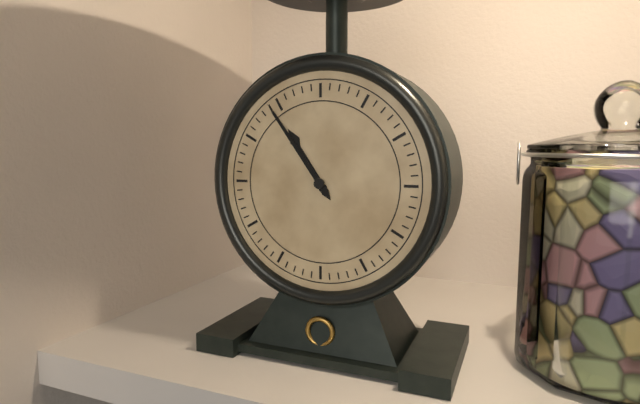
10:54
